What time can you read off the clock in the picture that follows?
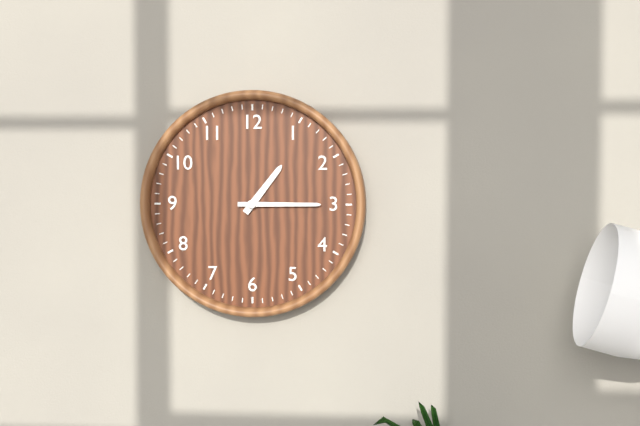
1:15
